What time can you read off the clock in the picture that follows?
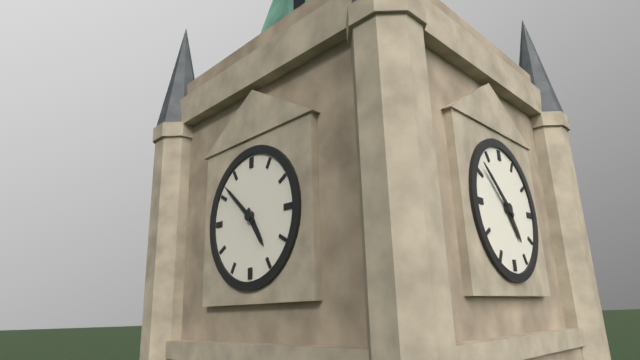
4:52
